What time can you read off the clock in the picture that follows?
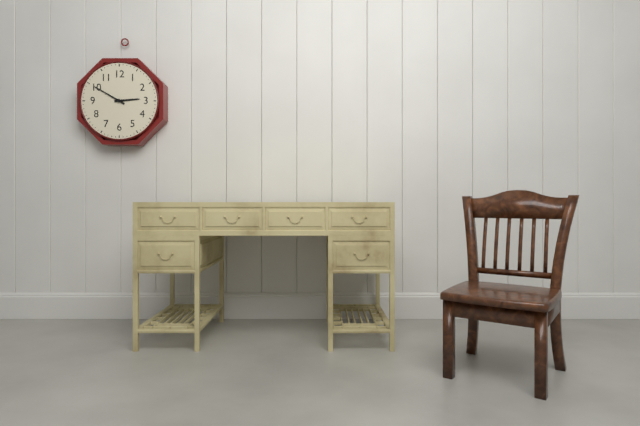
2:50
